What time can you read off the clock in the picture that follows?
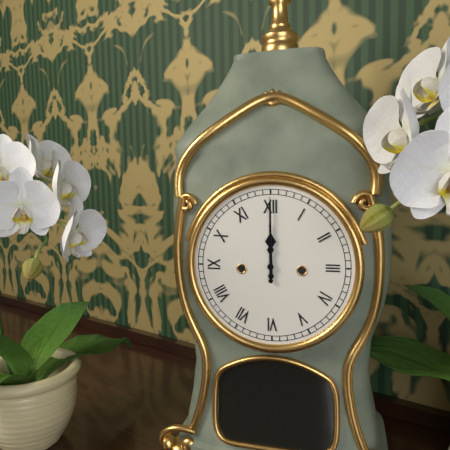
12:00
